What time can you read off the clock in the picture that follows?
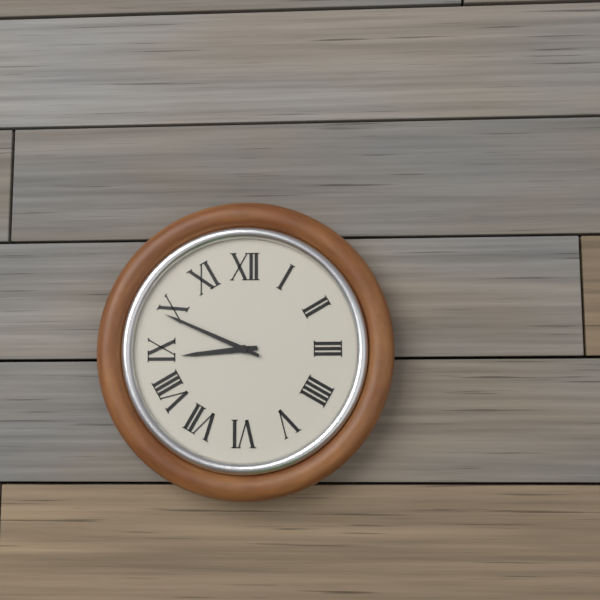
8:49
